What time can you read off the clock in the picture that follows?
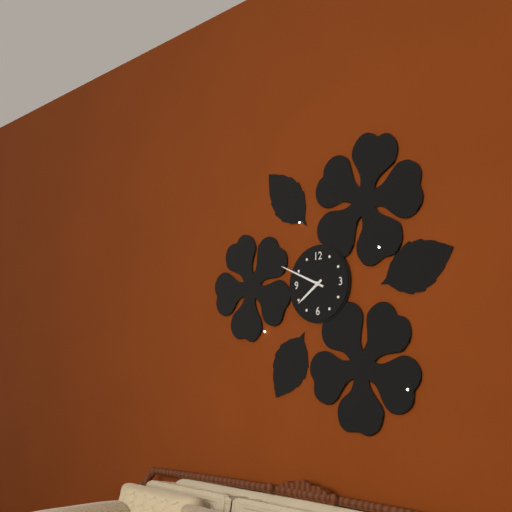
7:49
